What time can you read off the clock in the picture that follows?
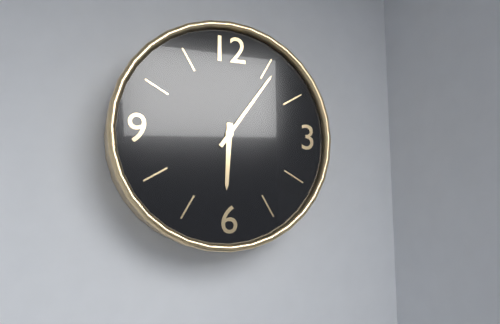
6:06
